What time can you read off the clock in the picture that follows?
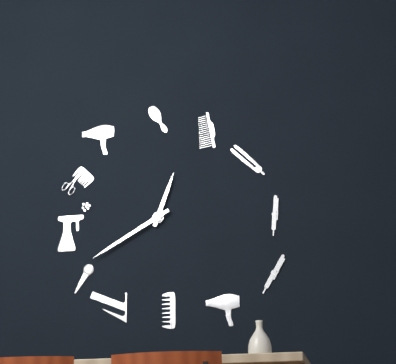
12:40
